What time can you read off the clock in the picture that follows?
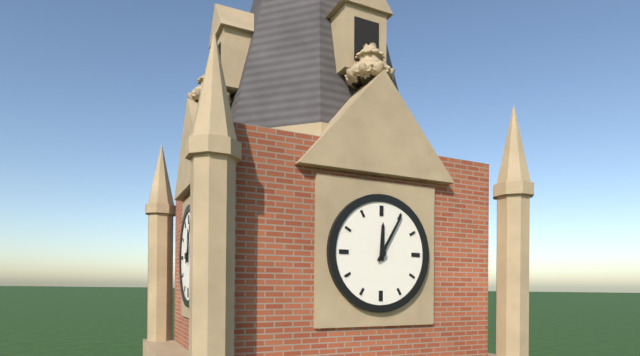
12:05
